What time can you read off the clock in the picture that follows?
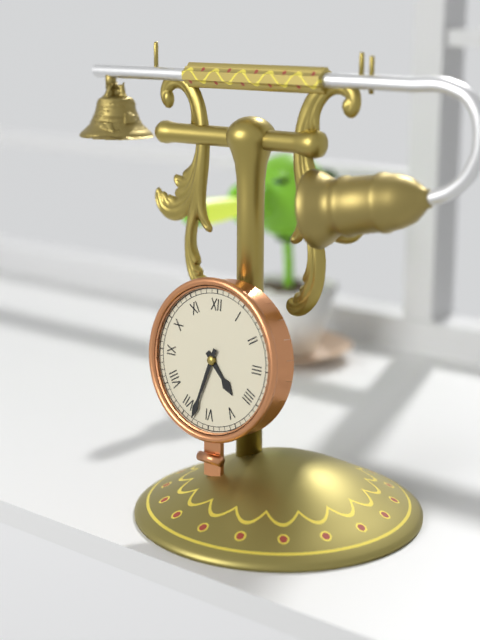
4:33
